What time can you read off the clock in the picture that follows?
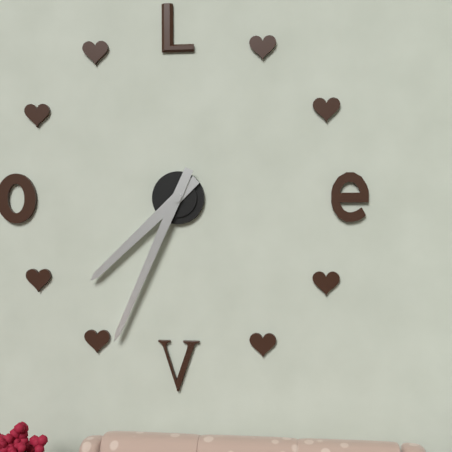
7:34
